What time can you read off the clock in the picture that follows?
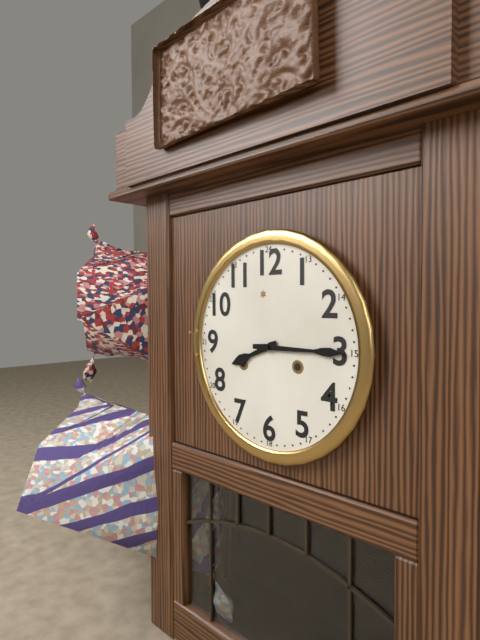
8:15
